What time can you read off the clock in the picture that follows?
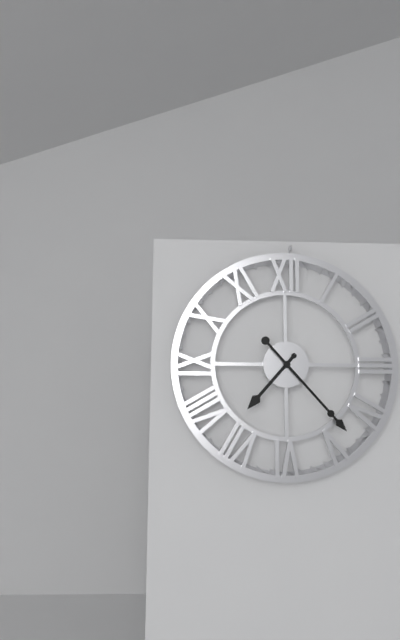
7:23
